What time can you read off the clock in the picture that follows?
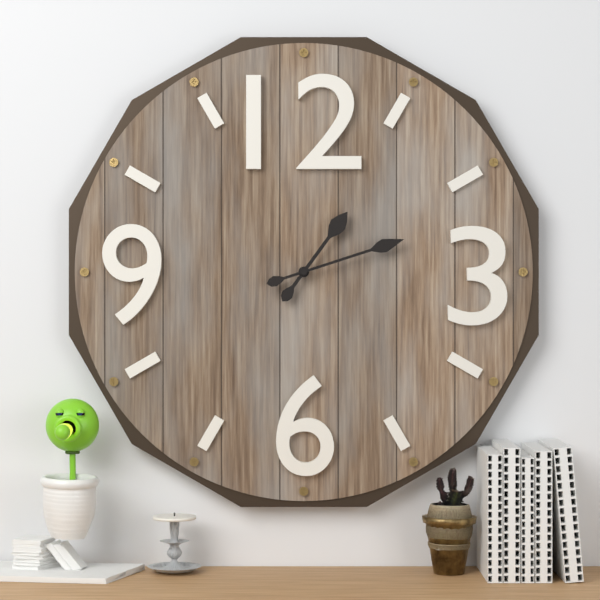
1:12
